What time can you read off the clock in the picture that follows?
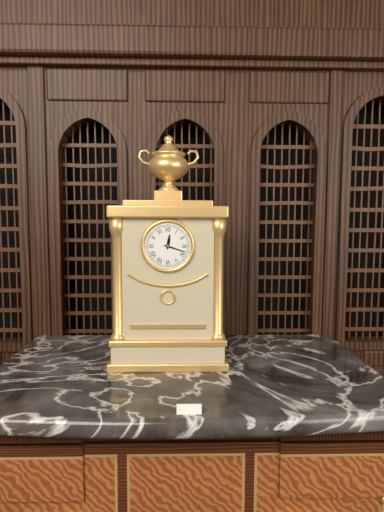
12:18
